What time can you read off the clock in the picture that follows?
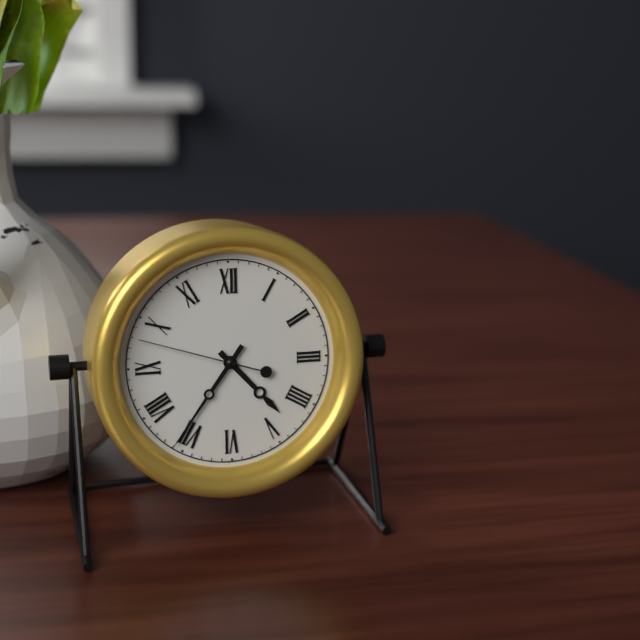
4:36:48
